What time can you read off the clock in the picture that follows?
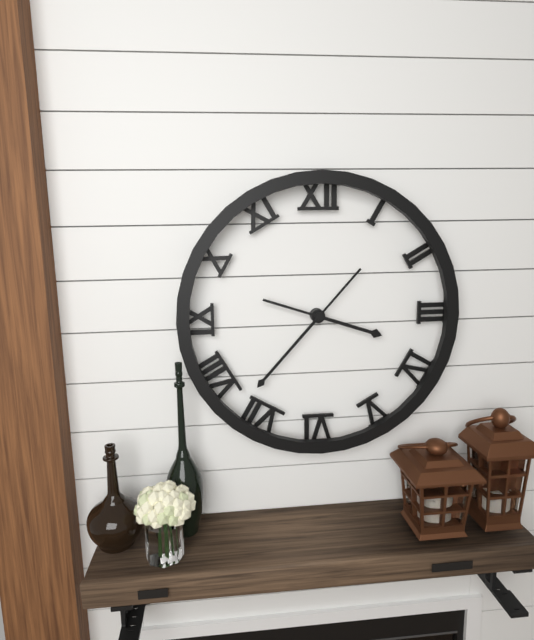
3:37
